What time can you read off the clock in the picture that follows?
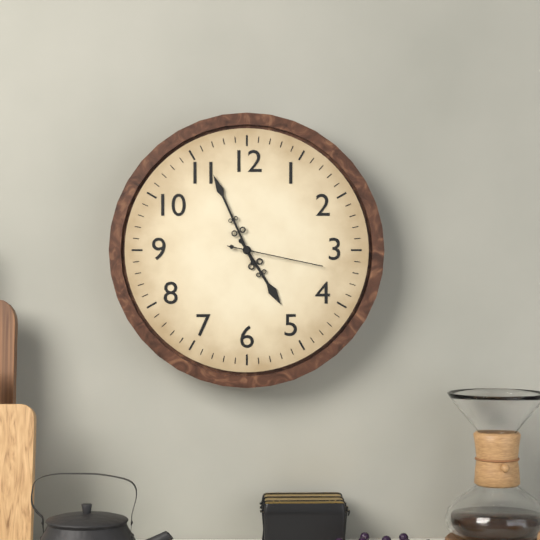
4:56:17
